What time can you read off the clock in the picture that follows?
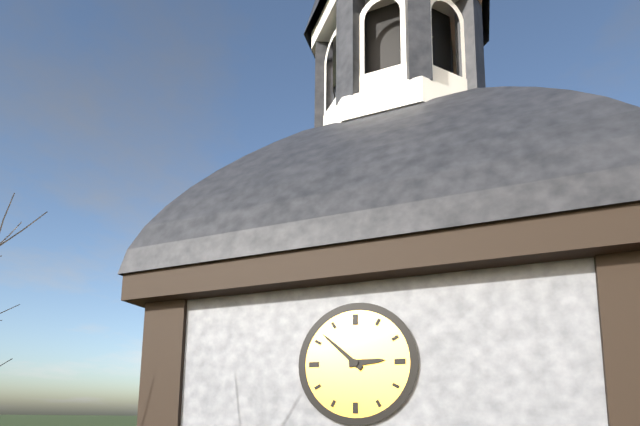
2:52
